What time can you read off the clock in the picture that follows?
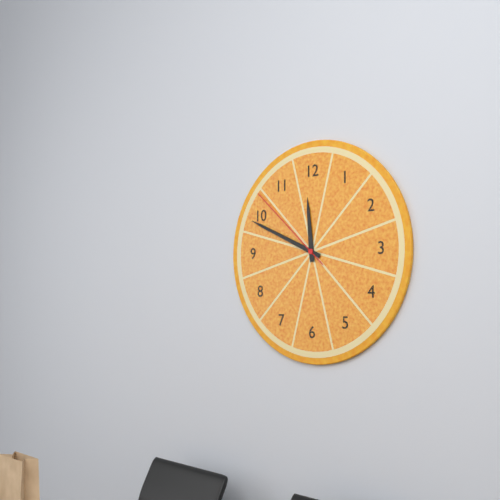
11:49:52
